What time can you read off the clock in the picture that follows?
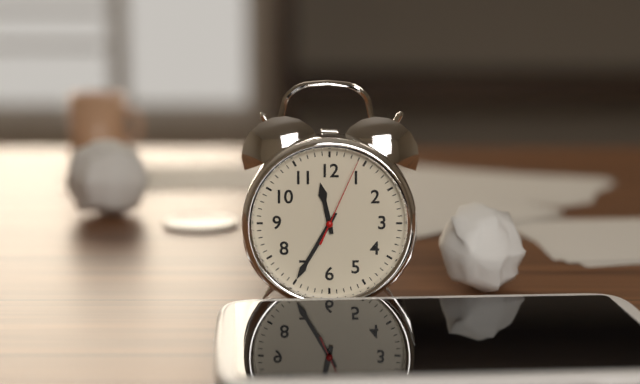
11:35:04
